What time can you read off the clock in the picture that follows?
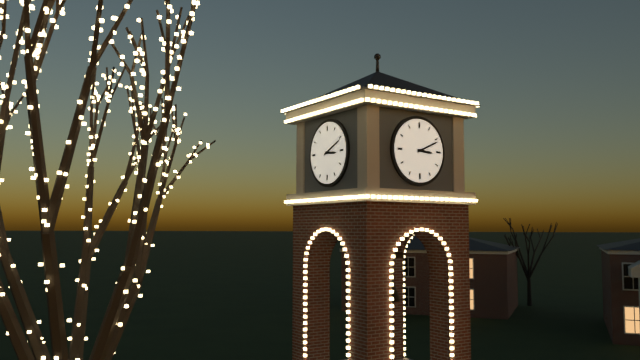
3:11
